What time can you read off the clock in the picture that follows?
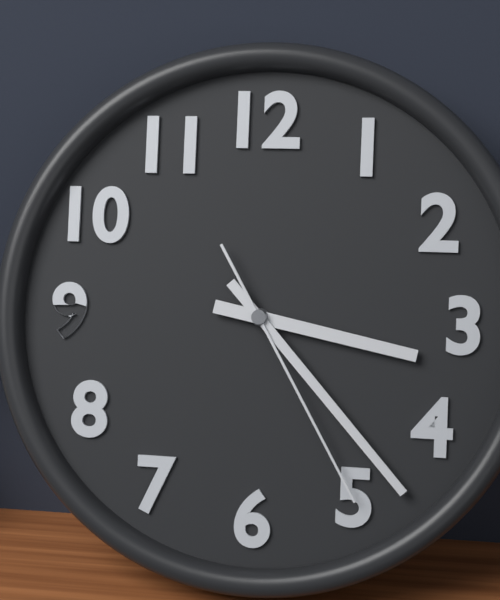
3:23:25
